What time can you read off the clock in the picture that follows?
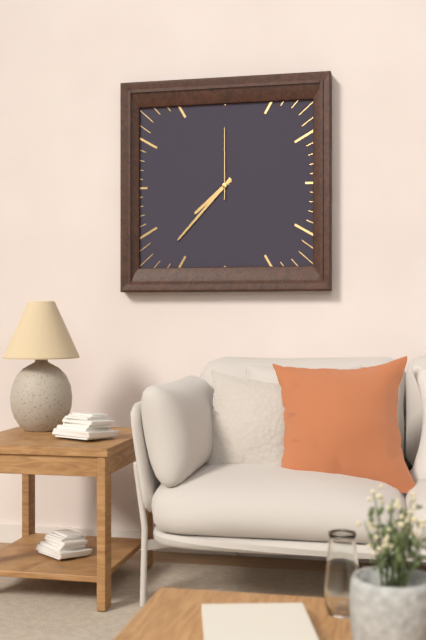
7:37:00
